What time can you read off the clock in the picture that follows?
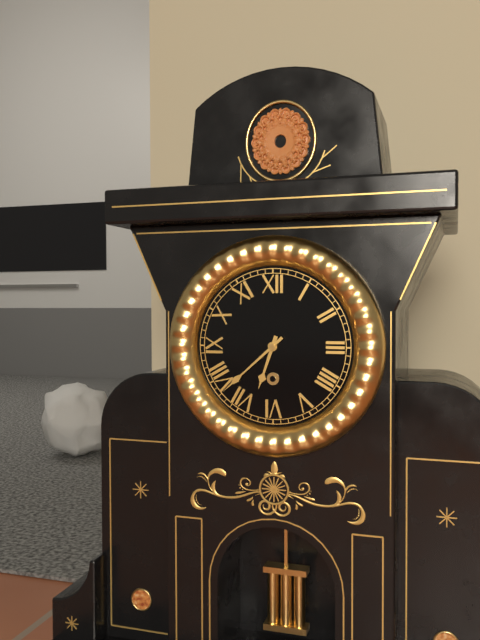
6:38
